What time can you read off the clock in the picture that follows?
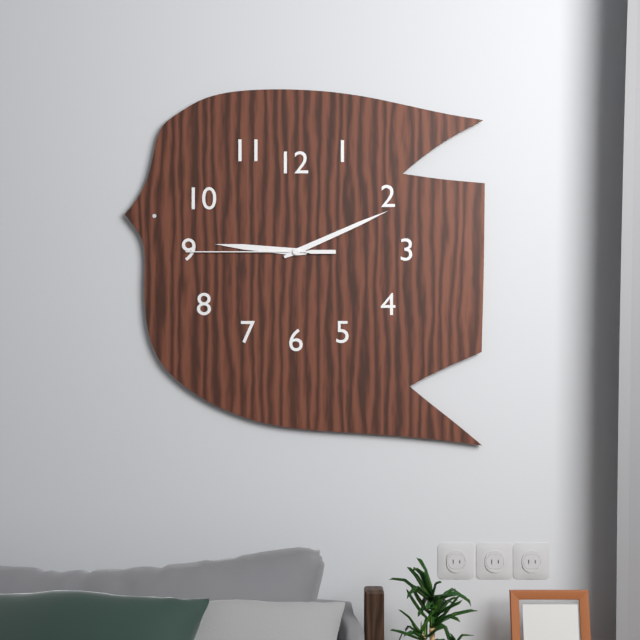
9:11:45
